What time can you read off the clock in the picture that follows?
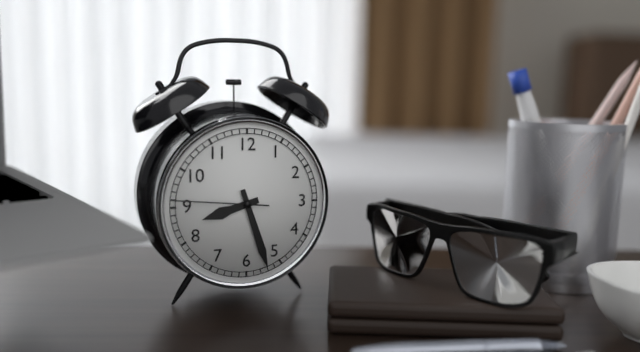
8:27:46
